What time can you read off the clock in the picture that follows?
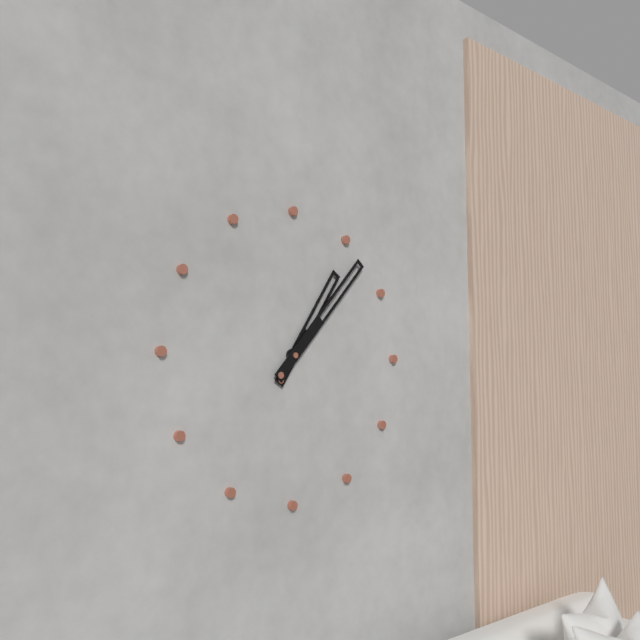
1:07
